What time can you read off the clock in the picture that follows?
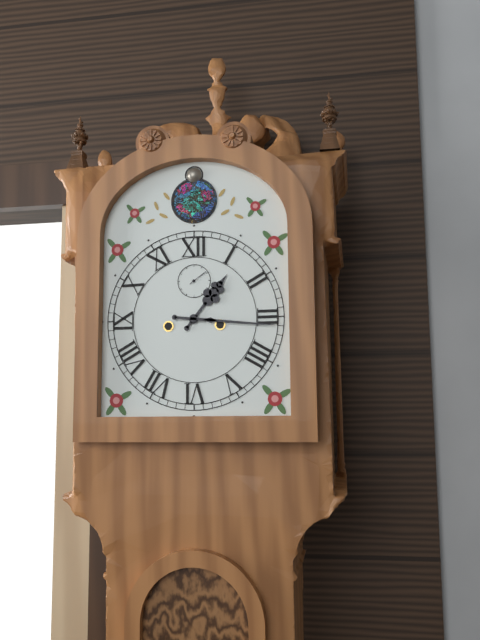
1:16
